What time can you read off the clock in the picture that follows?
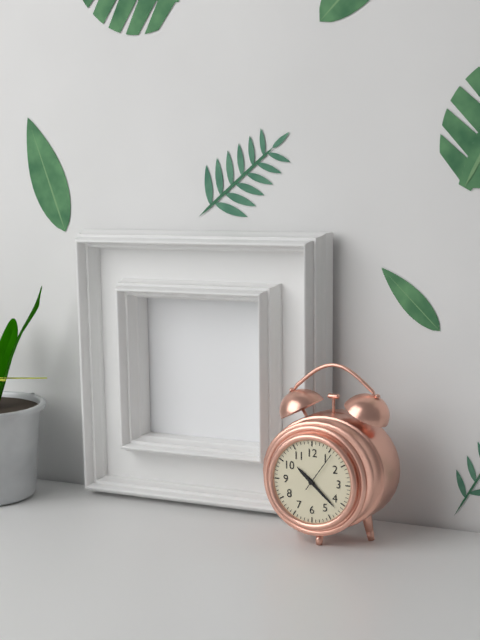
10:22
